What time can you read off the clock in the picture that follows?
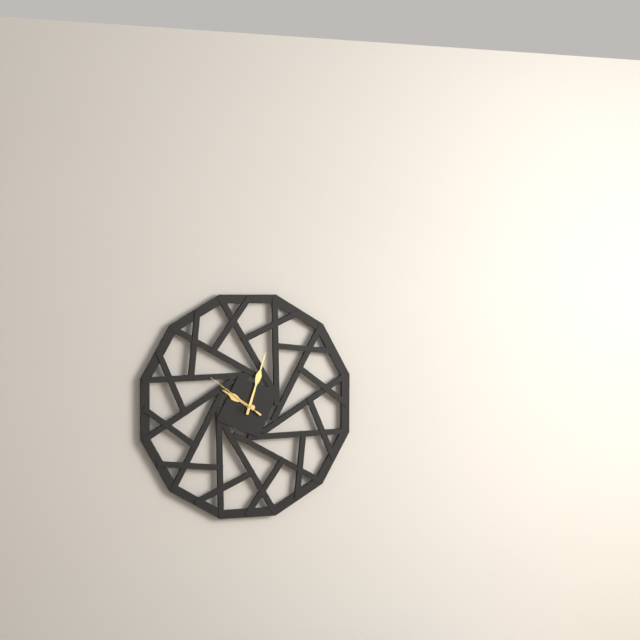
10:03:51
